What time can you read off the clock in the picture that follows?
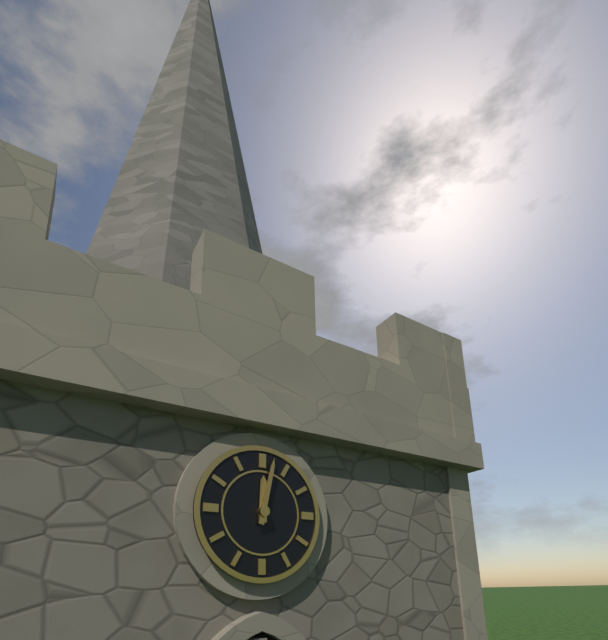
12:02
